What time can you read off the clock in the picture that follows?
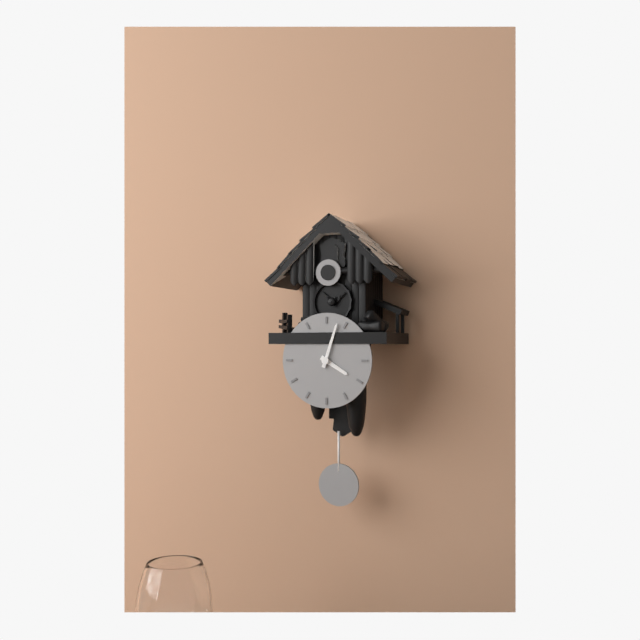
4:03
